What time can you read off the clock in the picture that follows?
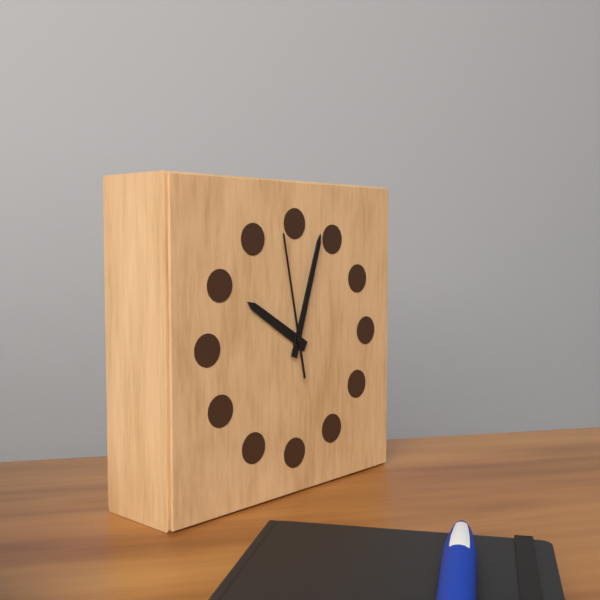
10:03:58
